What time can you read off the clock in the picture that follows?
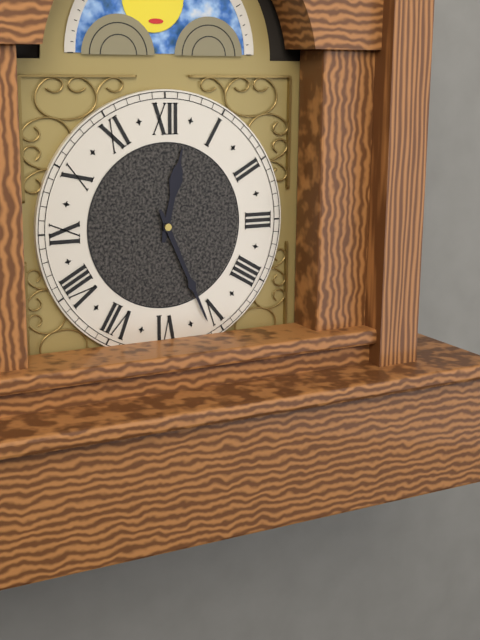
12:26
